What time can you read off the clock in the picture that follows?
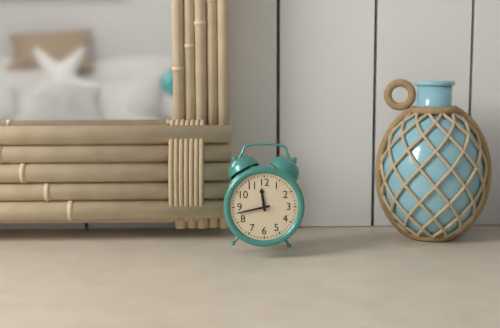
11:43
